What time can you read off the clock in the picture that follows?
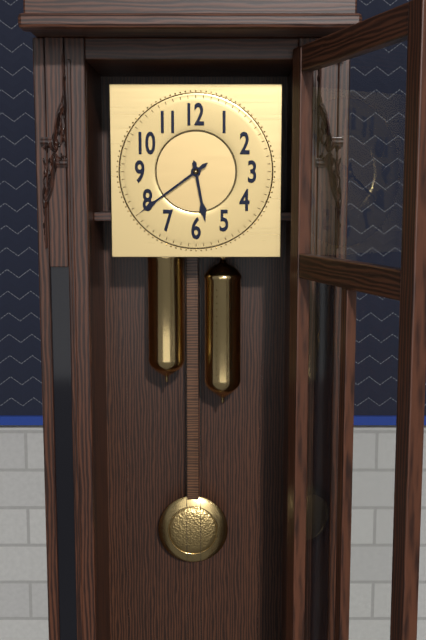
5:39
